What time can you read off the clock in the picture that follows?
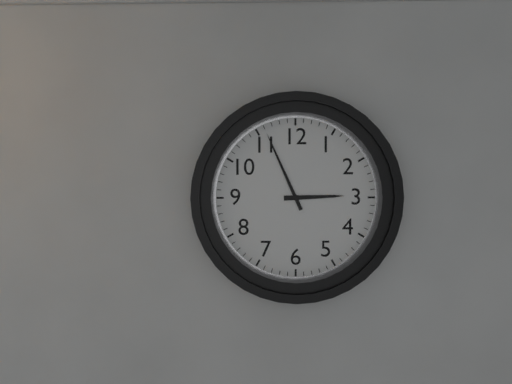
2:56
